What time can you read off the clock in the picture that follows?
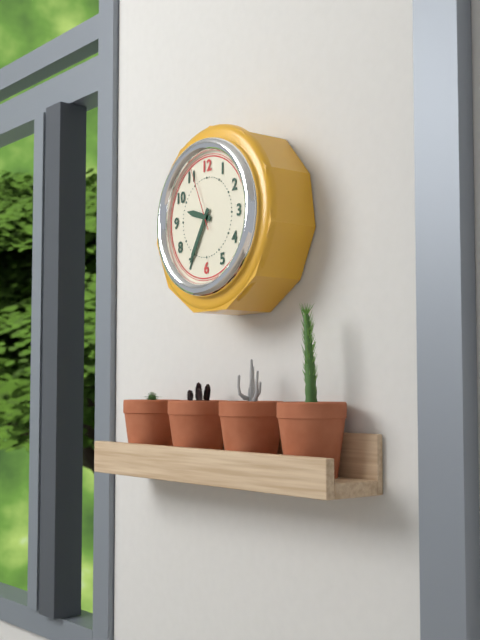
9:35:56
